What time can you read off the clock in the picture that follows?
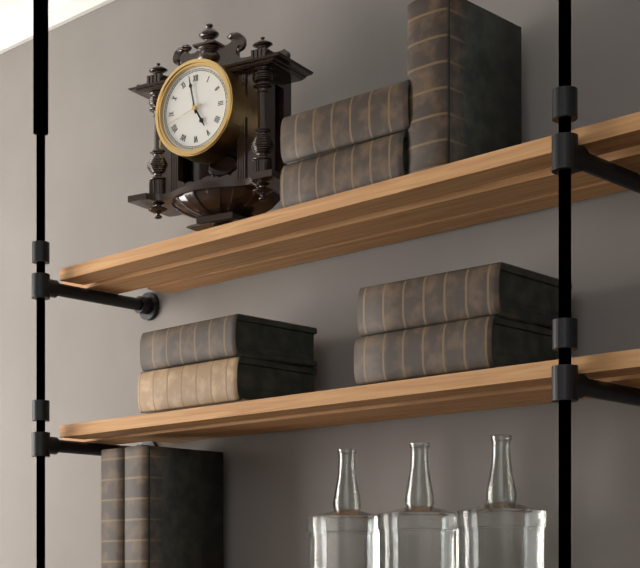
4:58
